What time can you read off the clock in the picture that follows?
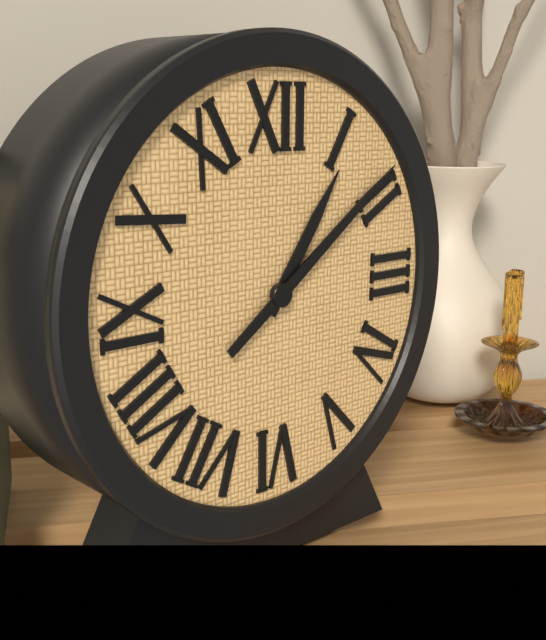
1:09
